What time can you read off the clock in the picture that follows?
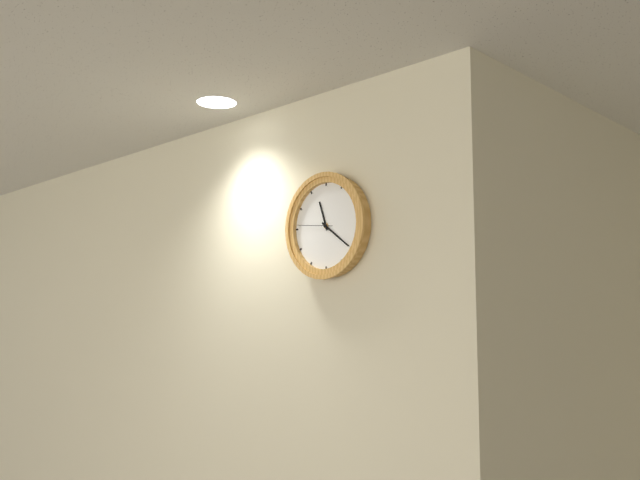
11:21
